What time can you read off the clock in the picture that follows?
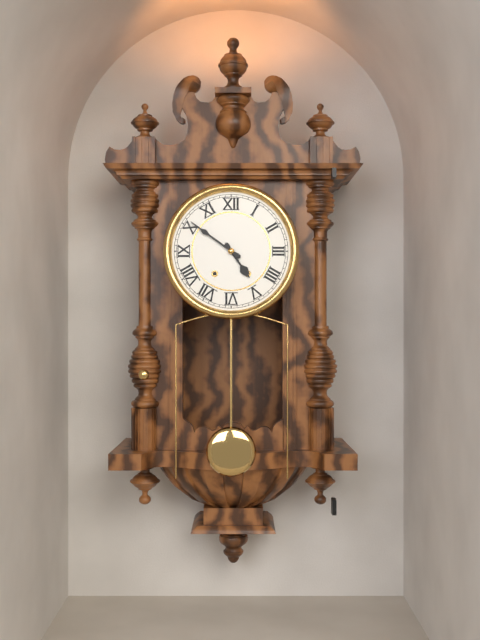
4:51
